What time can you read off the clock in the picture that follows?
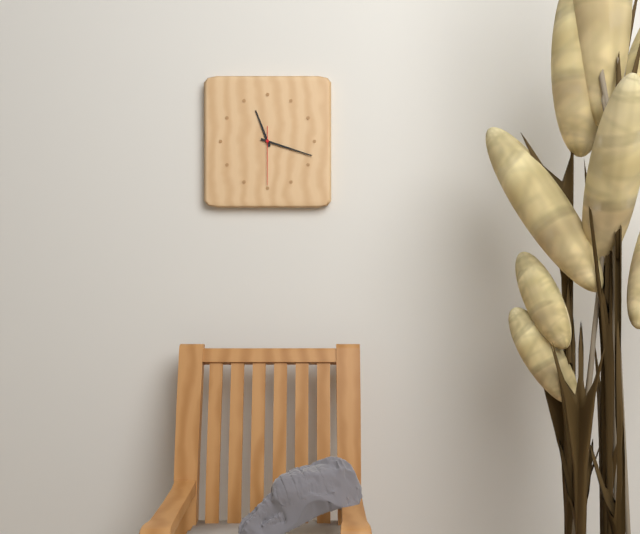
11:18:30
